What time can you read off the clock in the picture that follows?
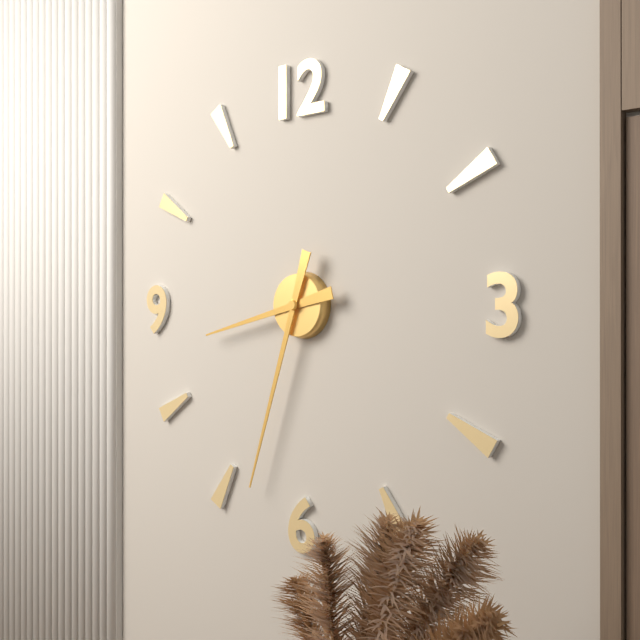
8:33
